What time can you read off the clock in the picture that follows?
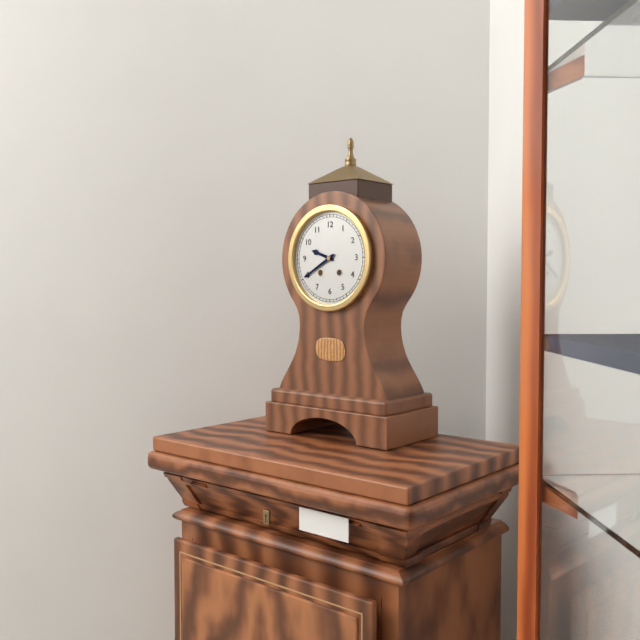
9:40
